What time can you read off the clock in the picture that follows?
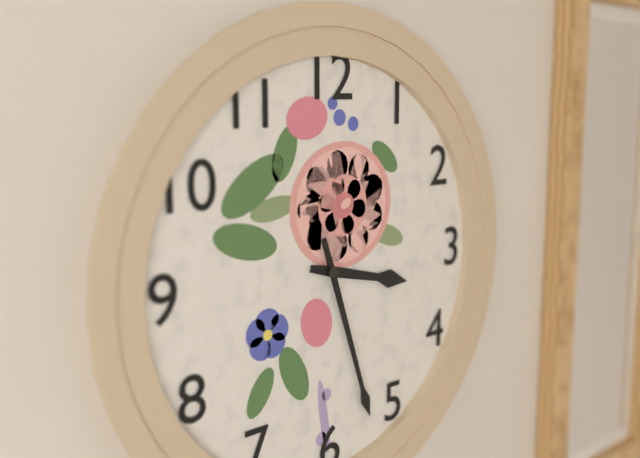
3:27
